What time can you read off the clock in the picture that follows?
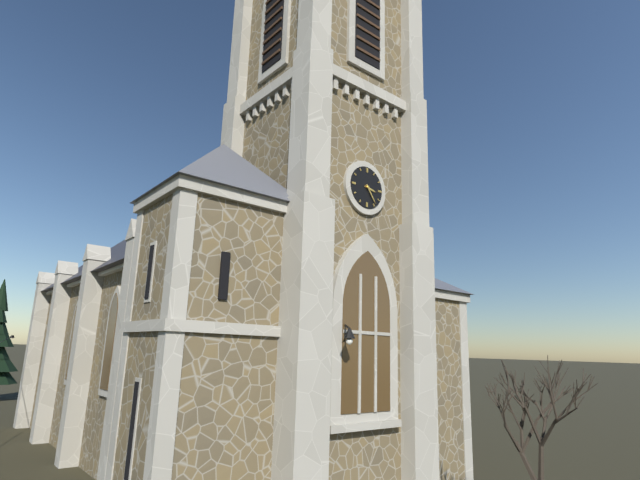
3:24
